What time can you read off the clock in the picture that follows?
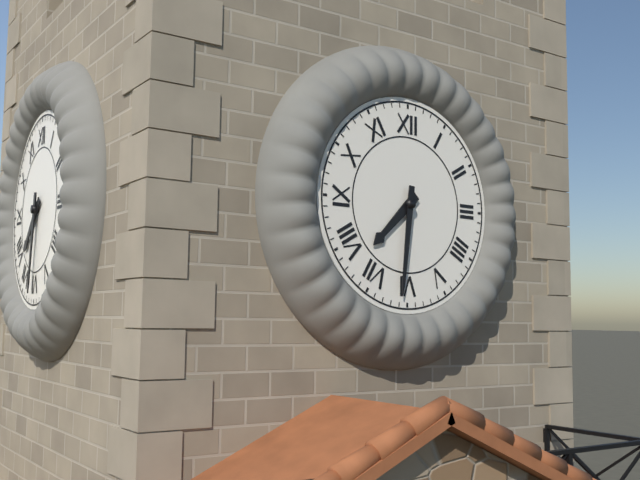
7:31
